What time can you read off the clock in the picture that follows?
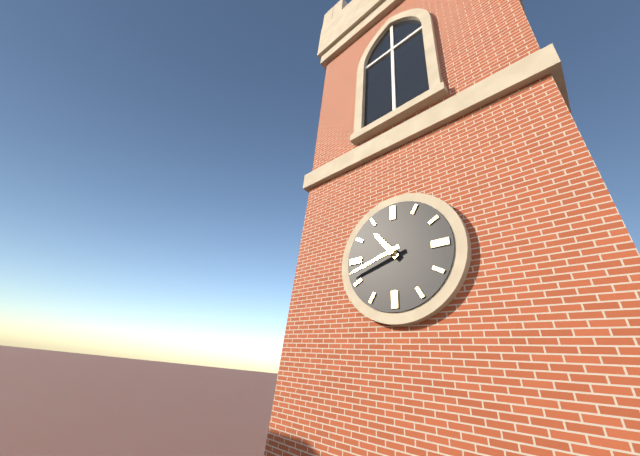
10:42
